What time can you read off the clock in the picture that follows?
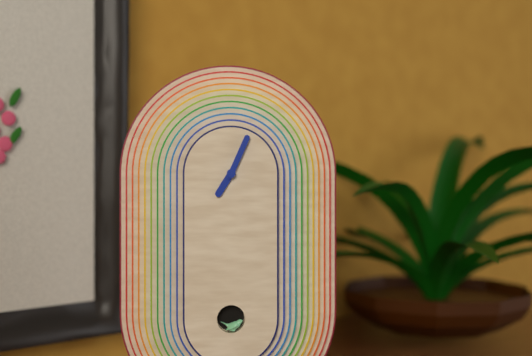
7:04
